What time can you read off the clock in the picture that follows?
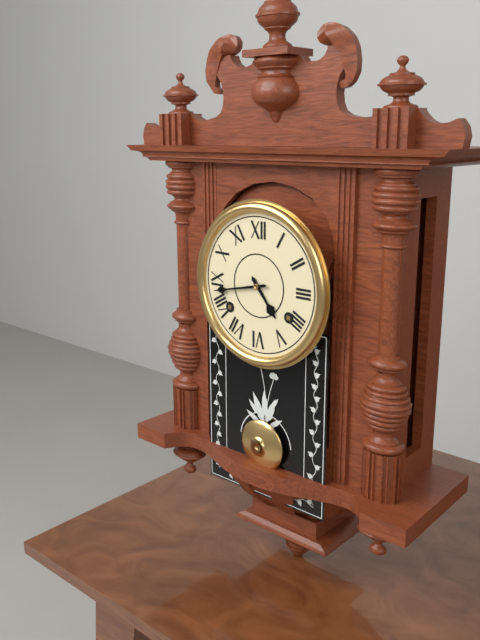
4:43
